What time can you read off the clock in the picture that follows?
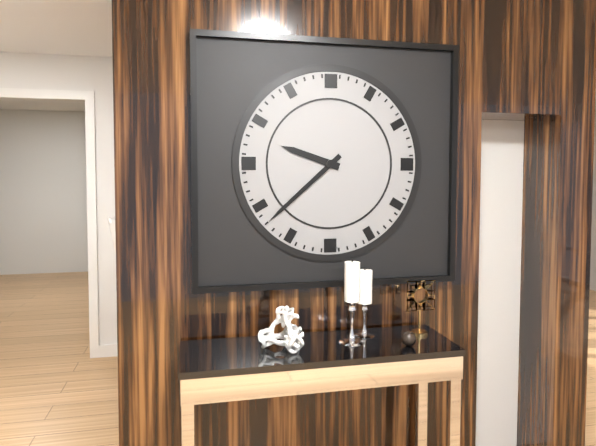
9:38
